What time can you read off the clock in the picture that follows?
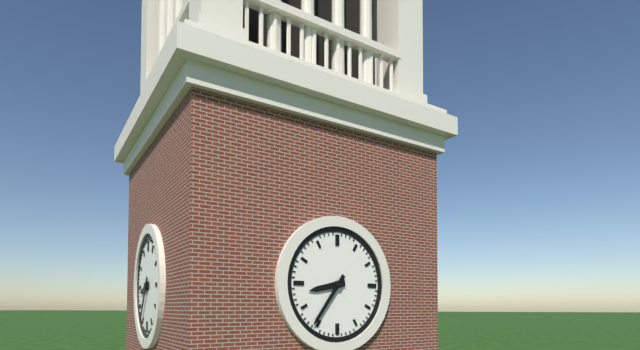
8:36
